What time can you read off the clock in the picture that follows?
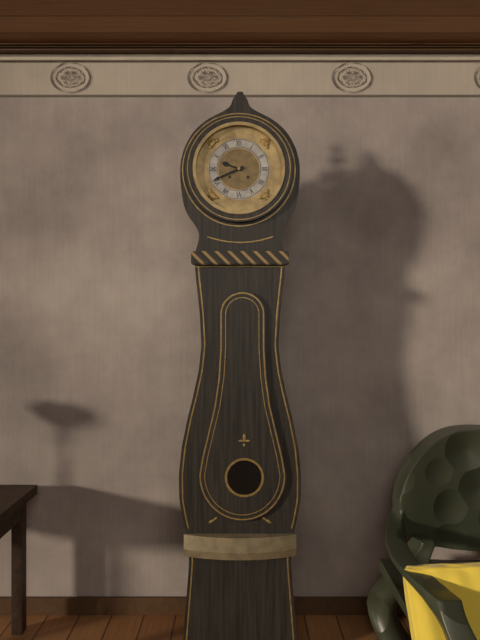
9:41
